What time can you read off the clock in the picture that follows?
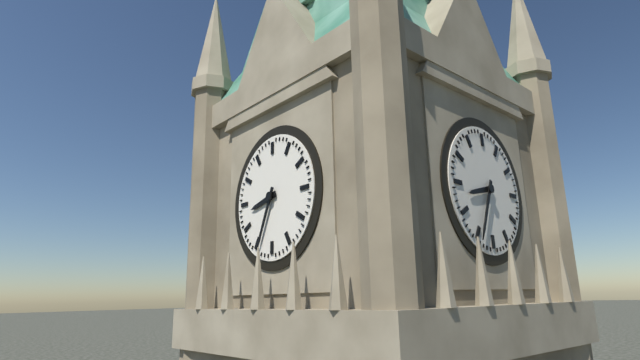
8:34
